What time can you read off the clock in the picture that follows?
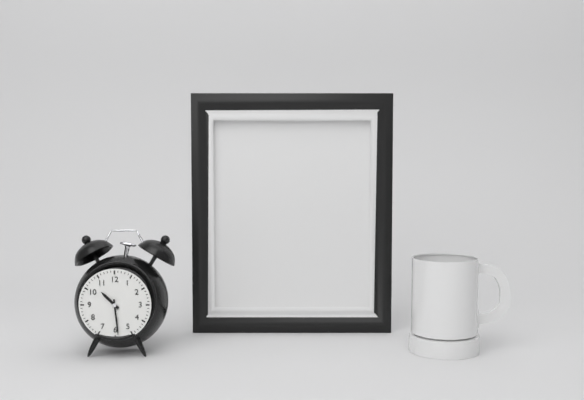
10:29
